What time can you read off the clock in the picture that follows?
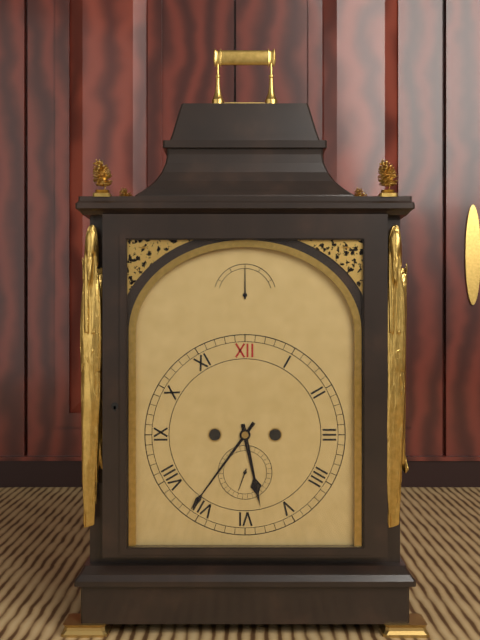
5:36
